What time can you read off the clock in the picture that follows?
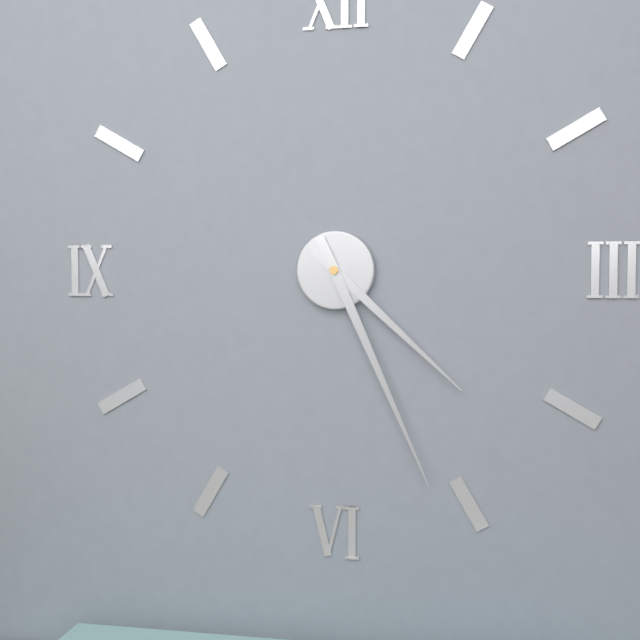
4:26
